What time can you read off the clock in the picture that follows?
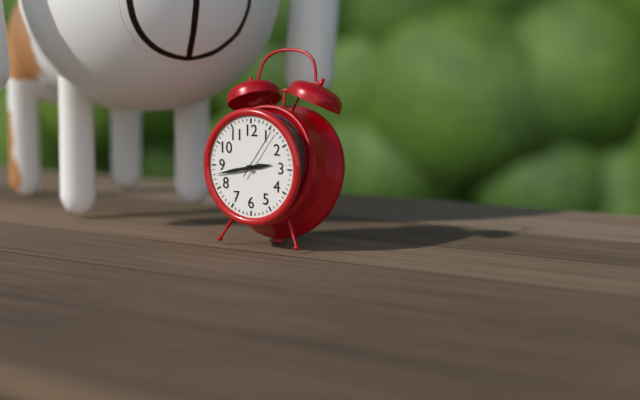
2:43:06
